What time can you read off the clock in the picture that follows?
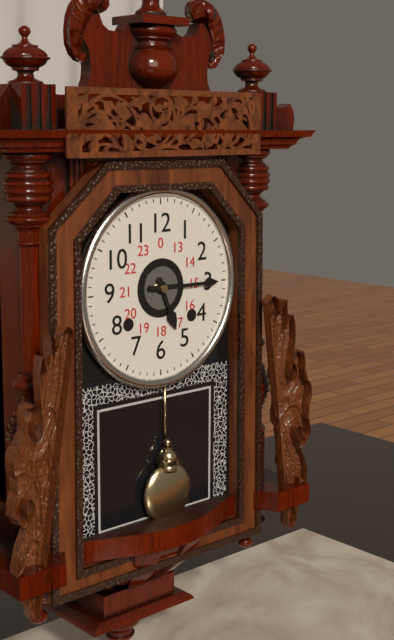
5:15
